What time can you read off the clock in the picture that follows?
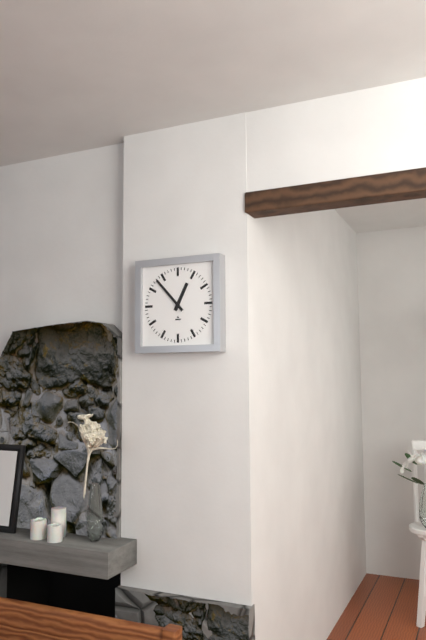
12:53
